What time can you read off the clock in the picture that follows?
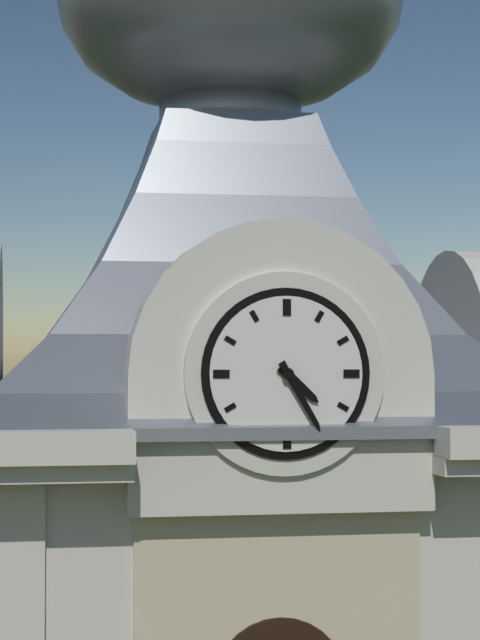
4:25
